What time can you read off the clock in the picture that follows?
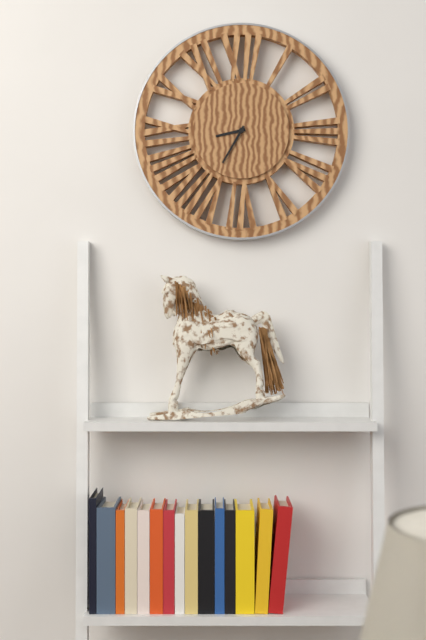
8:35
